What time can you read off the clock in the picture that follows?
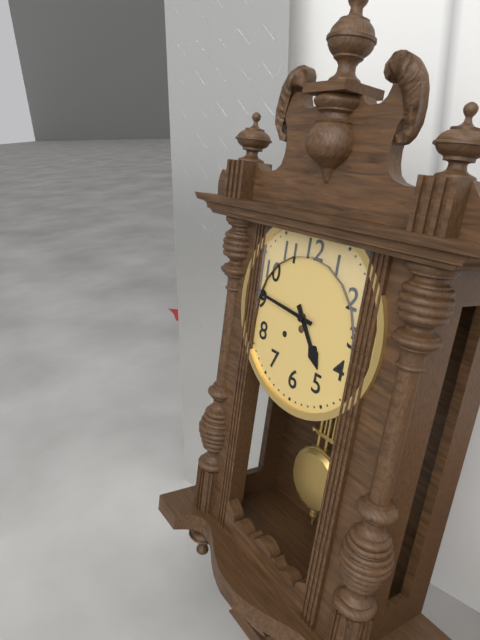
4:46
